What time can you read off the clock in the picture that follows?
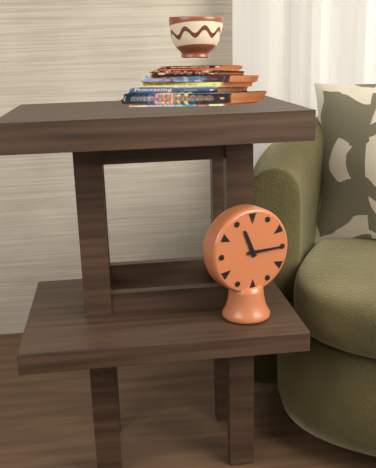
11:15
